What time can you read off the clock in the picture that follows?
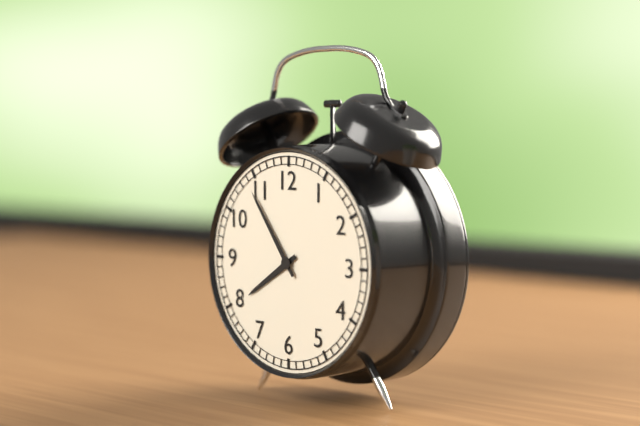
7:54
